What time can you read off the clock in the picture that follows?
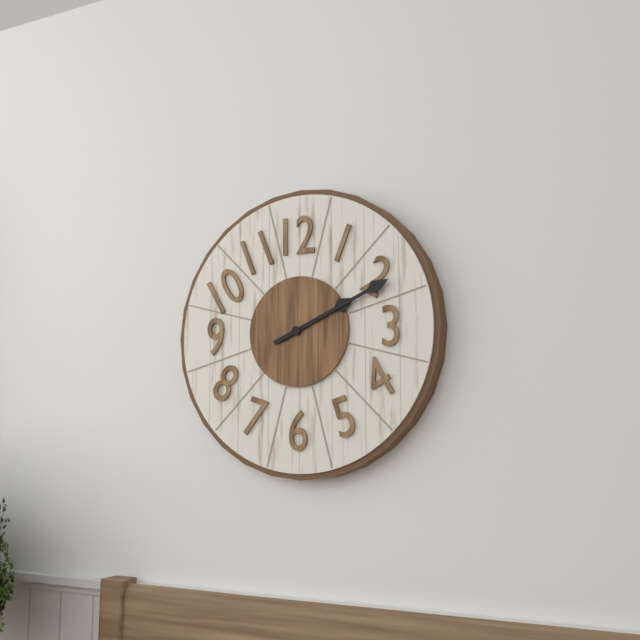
2:11
